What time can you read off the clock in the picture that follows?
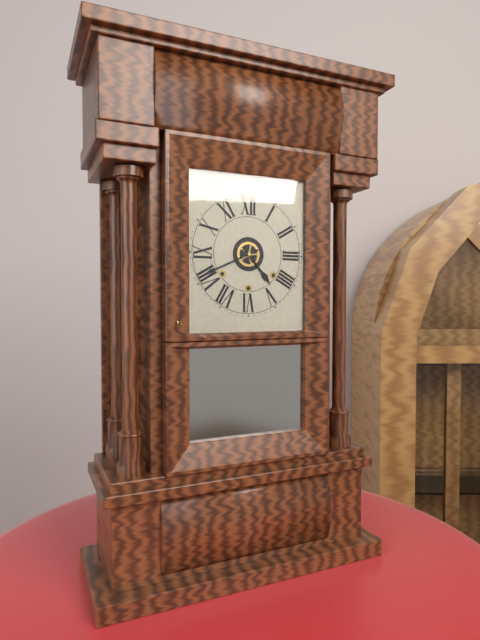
4:41
